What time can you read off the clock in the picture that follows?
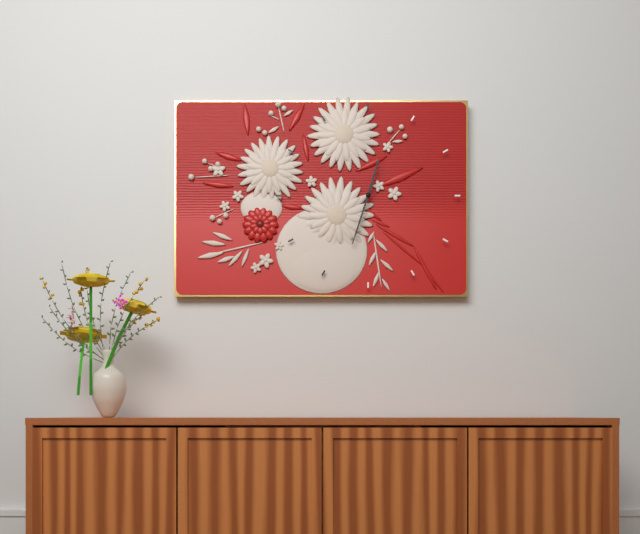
12:33
